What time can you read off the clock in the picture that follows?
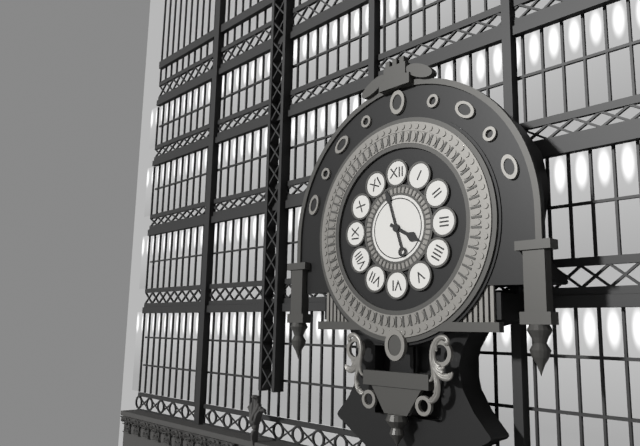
3:57
